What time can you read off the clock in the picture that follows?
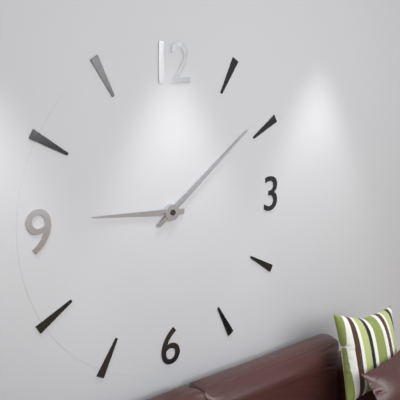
9:09
